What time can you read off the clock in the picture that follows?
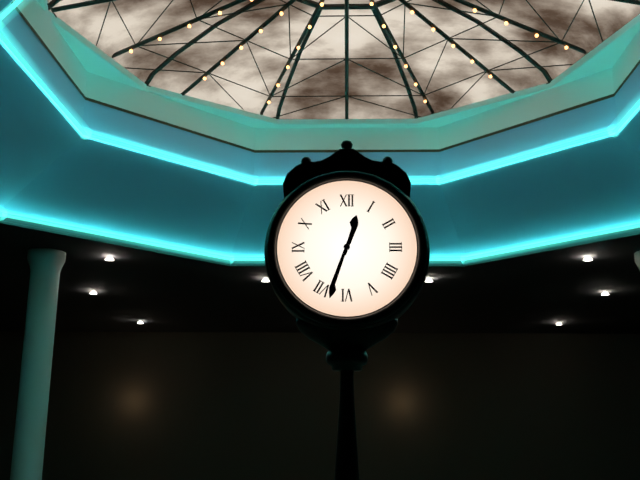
12:33
